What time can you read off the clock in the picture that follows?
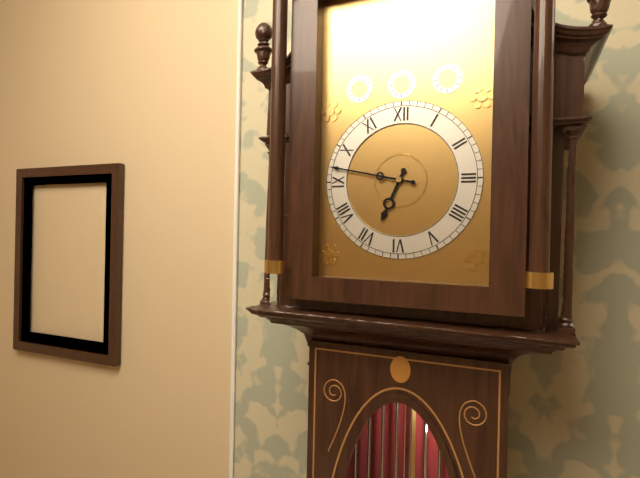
6:47
